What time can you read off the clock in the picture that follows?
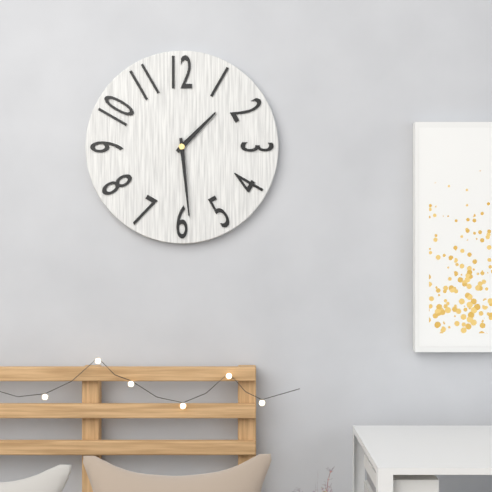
1:29
